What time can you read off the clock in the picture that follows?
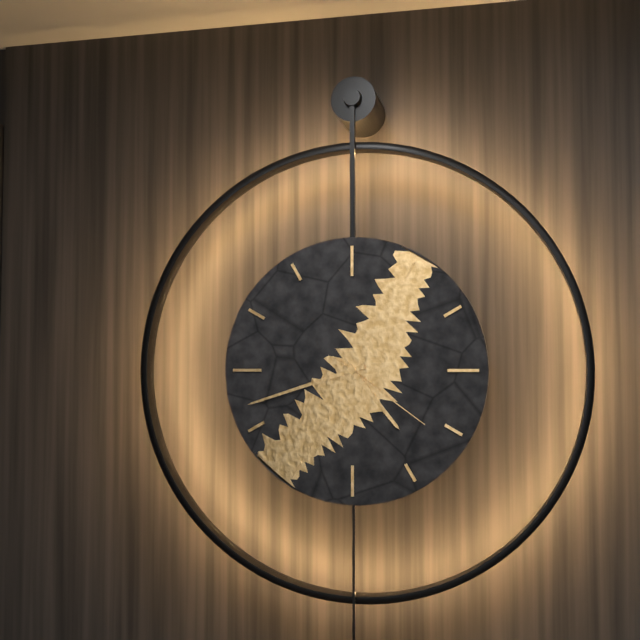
4:42:21
